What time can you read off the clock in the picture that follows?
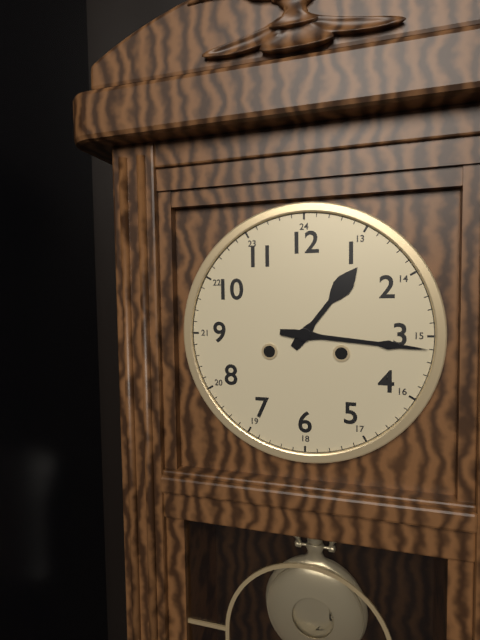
1:16
